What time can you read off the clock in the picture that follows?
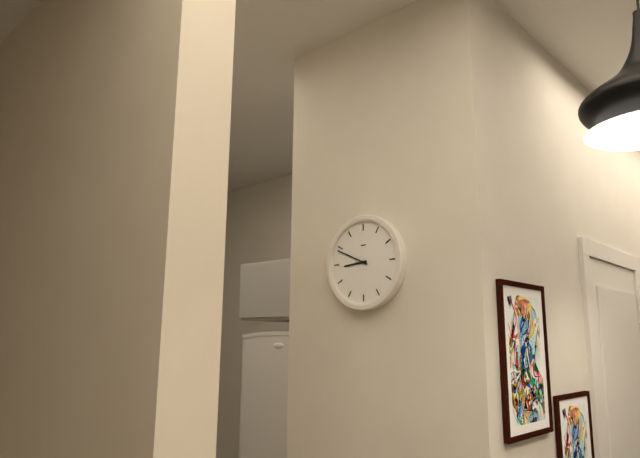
8:49
